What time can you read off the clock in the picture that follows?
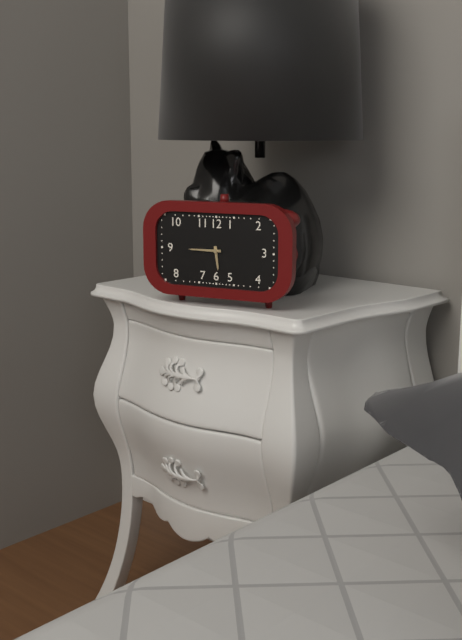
5:45
